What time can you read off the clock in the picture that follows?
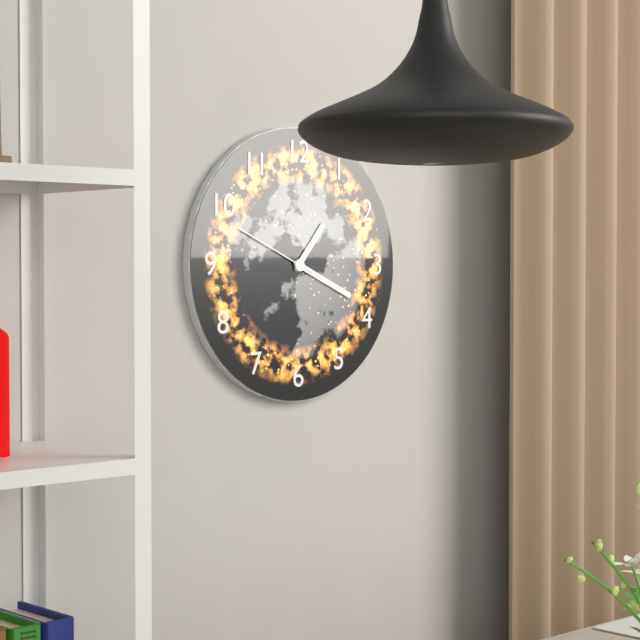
1:19:49
